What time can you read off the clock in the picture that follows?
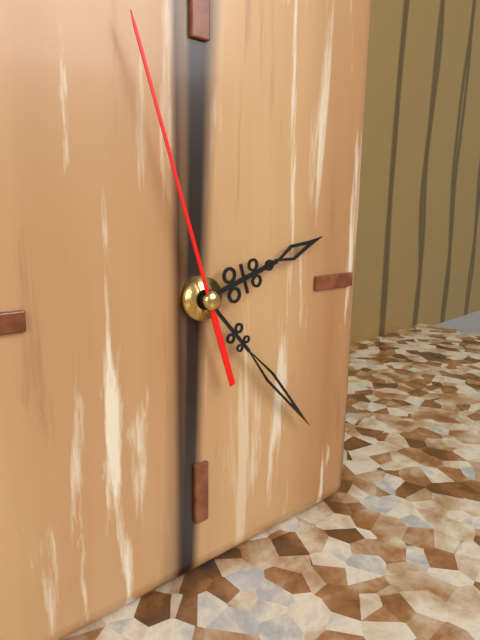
2:23:57
